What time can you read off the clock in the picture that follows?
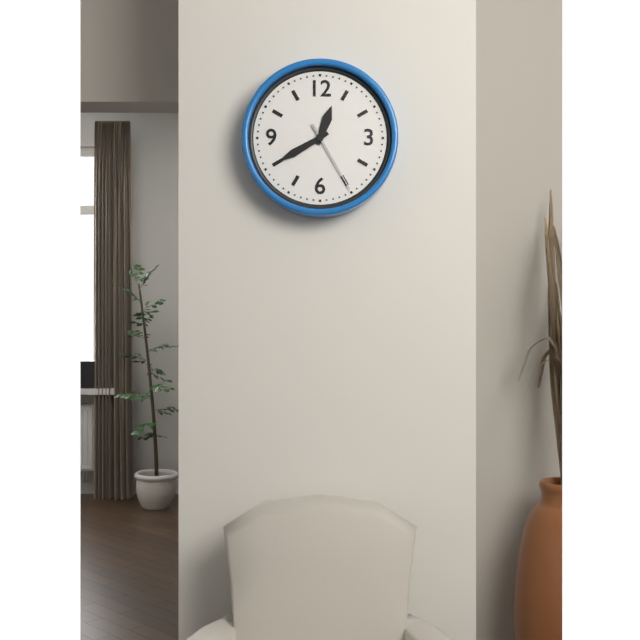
12:40:25
